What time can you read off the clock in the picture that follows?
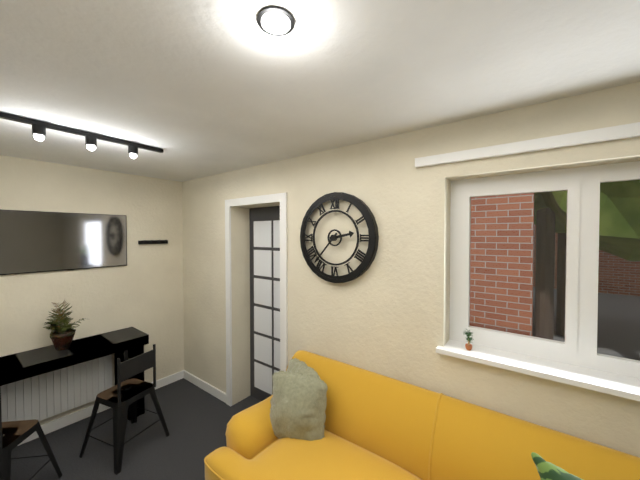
2:37
